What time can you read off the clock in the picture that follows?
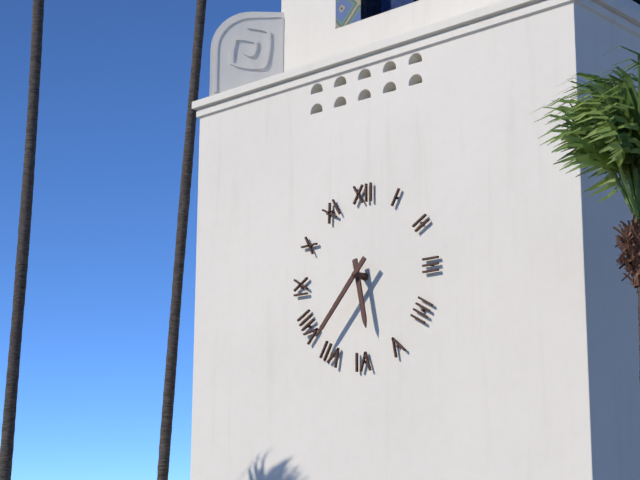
5:37
